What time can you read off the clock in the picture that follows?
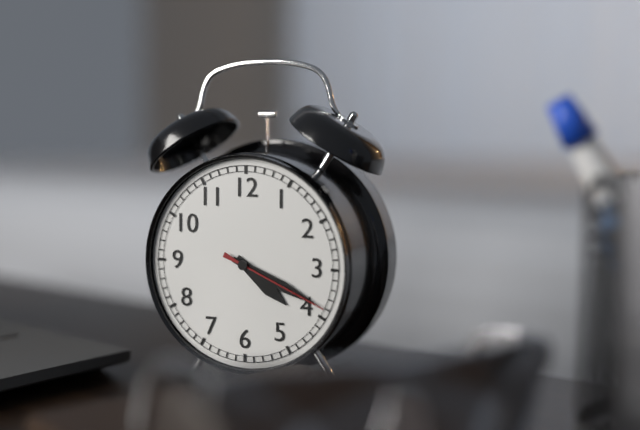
4:19:19
